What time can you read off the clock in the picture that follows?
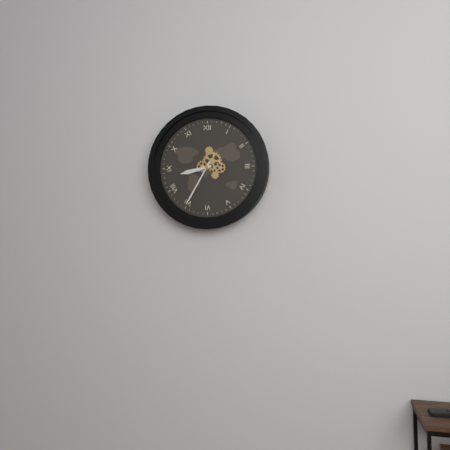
8:35
